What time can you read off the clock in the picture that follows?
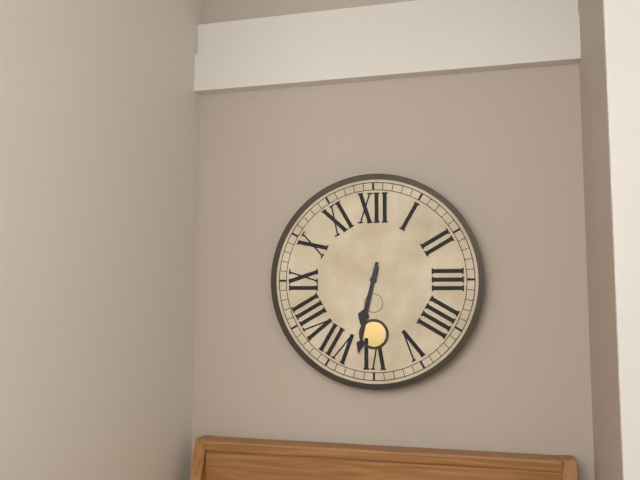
6:32
